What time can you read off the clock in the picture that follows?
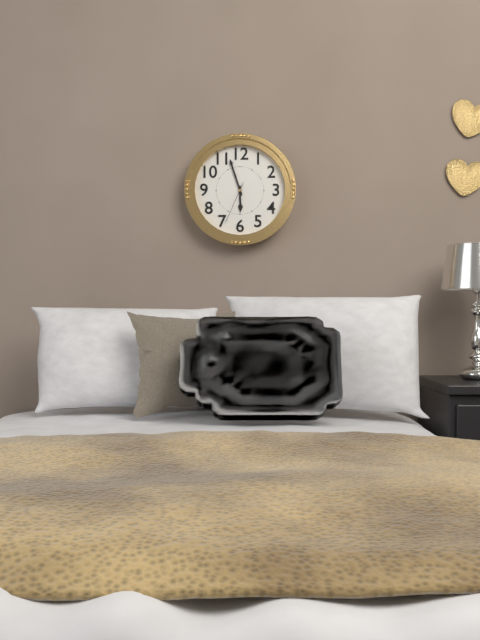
5:57
